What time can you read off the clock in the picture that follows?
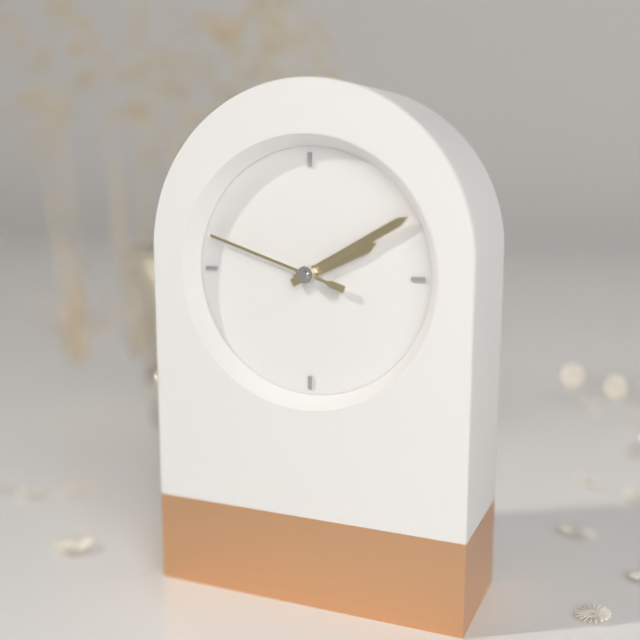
2:10:48
